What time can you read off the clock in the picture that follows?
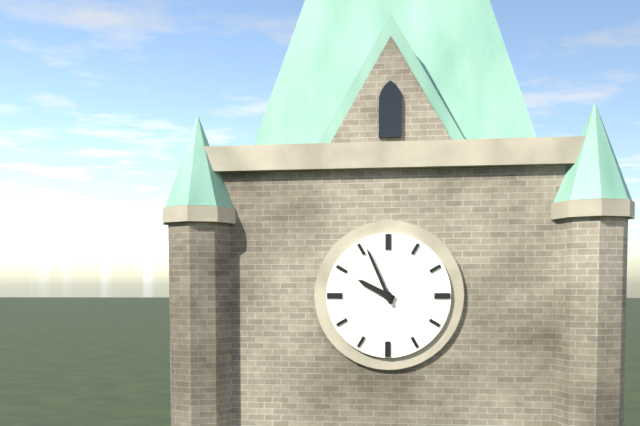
9:56
